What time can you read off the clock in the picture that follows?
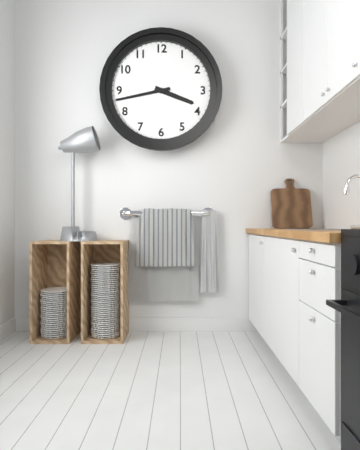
3:43
